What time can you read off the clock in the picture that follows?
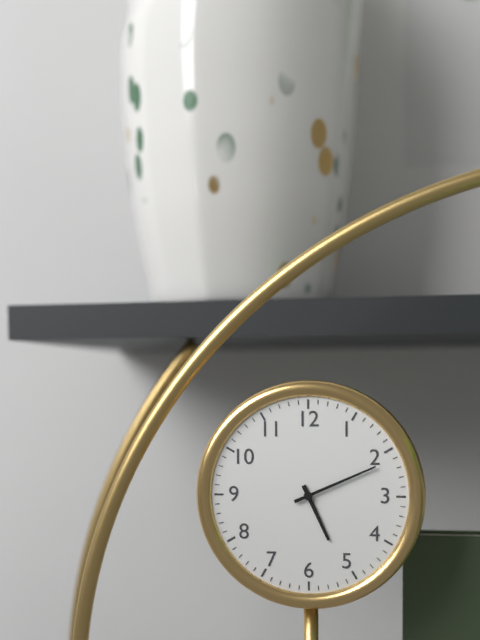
5:11
